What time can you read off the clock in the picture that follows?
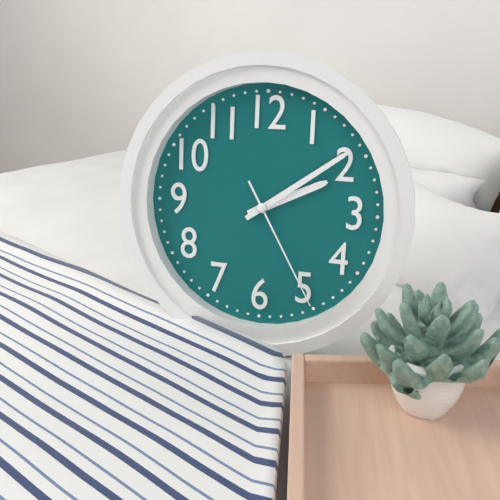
2:09:25
